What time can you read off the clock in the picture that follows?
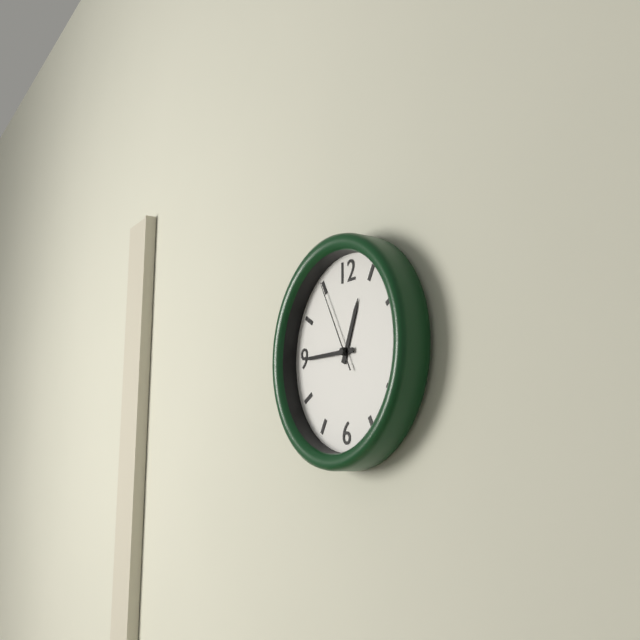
12:45:55
